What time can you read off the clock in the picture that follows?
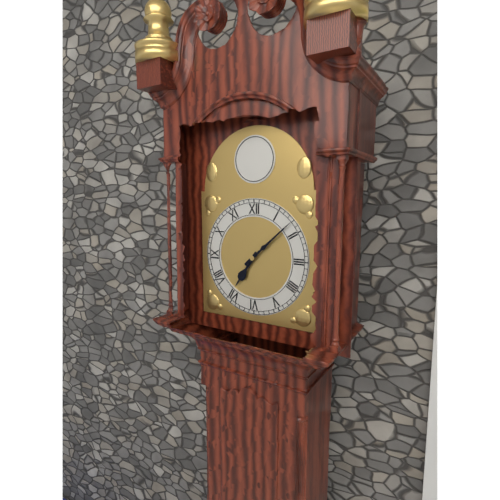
7:08
